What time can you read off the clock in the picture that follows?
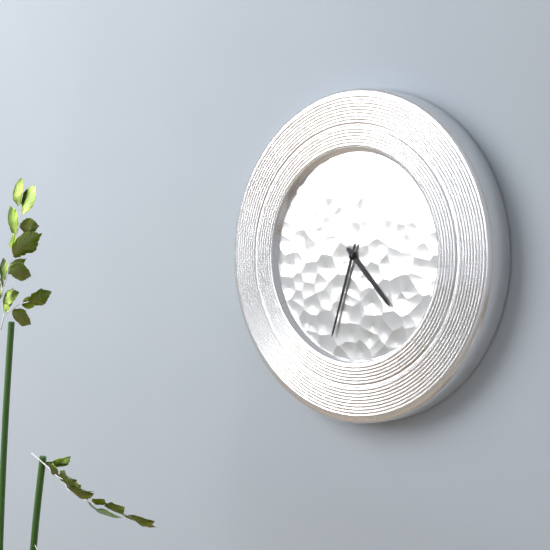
4:33
